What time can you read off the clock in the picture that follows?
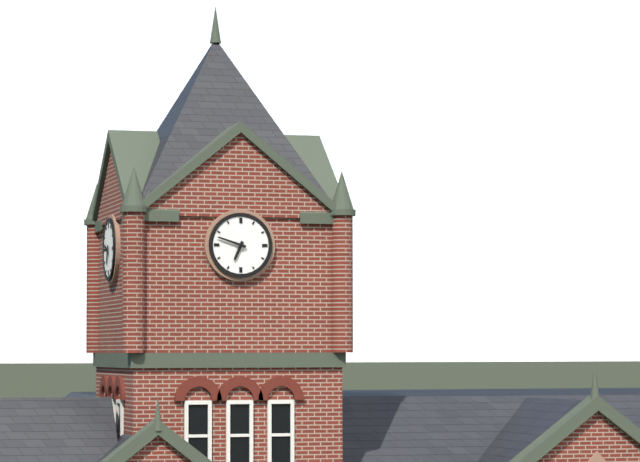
6:48
